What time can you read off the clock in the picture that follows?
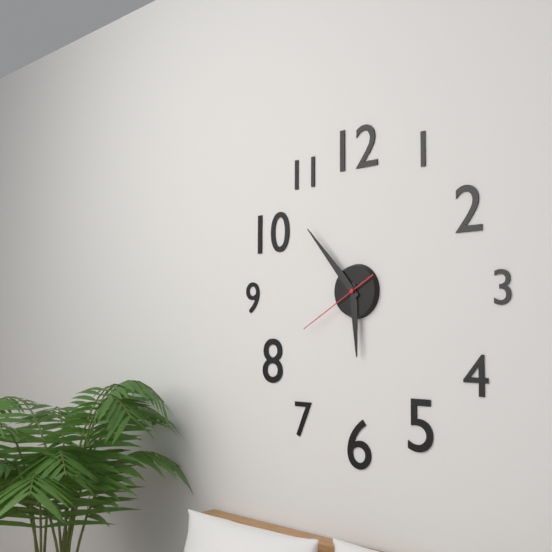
5:53:40
